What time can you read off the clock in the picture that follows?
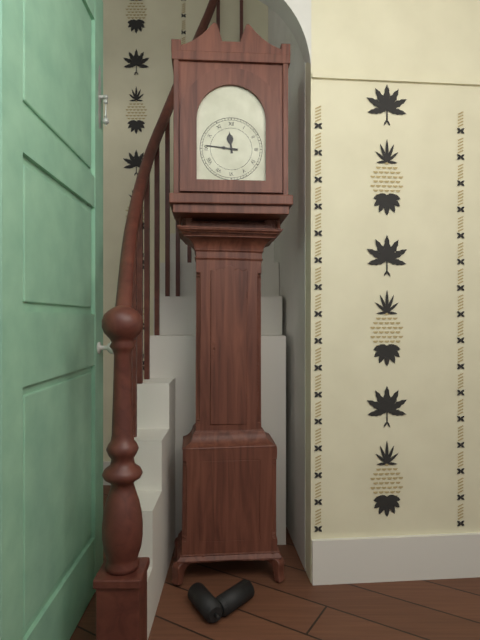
11:46
